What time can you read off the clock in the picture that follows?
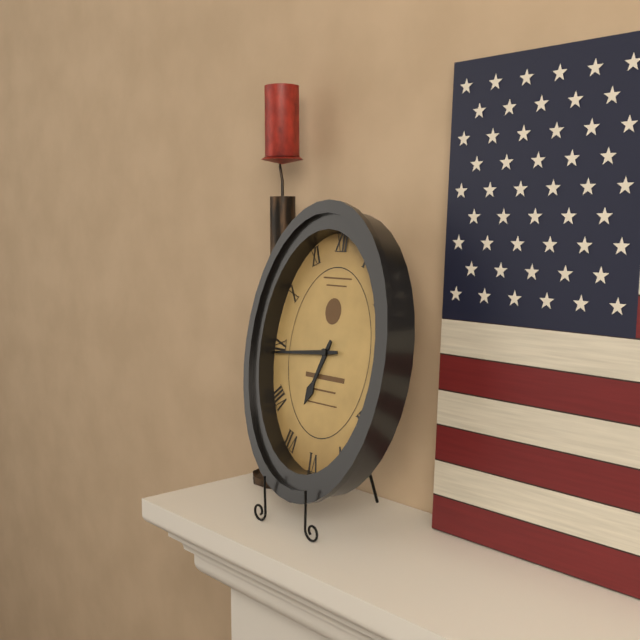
6:44
